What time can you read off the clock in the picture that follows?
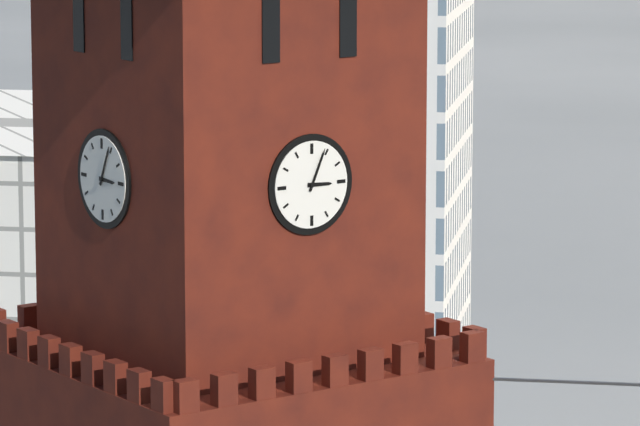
3:04
